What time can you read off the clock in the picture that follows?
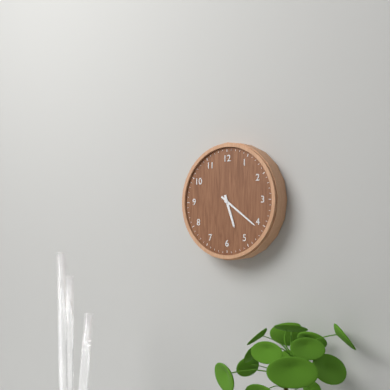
5:21
